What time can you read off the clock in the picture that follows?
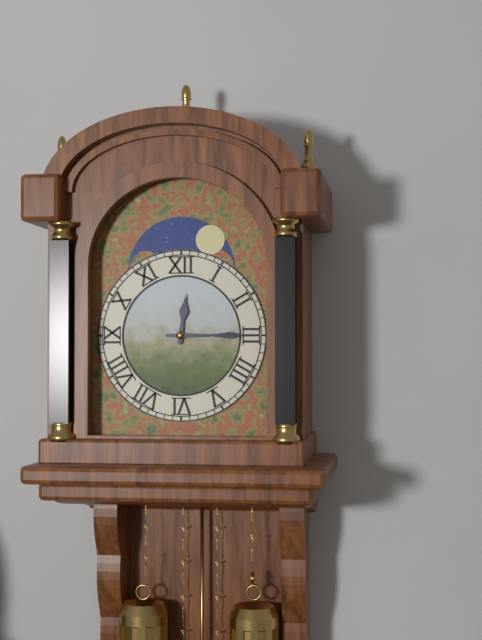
12:15
